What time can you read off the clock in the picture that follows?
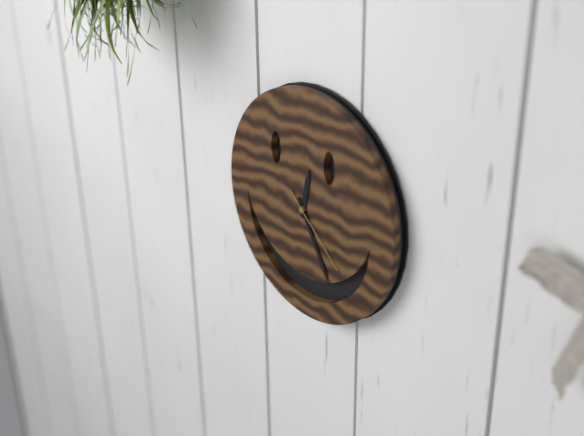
12:25:22
